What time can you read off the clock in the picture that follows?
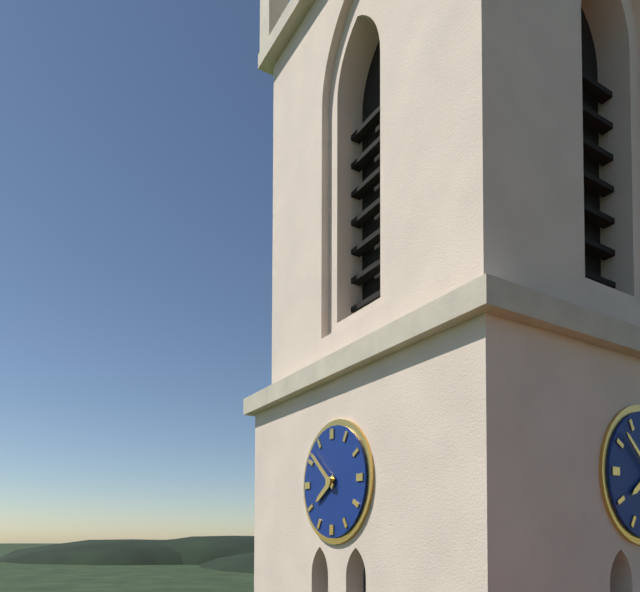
7:52
